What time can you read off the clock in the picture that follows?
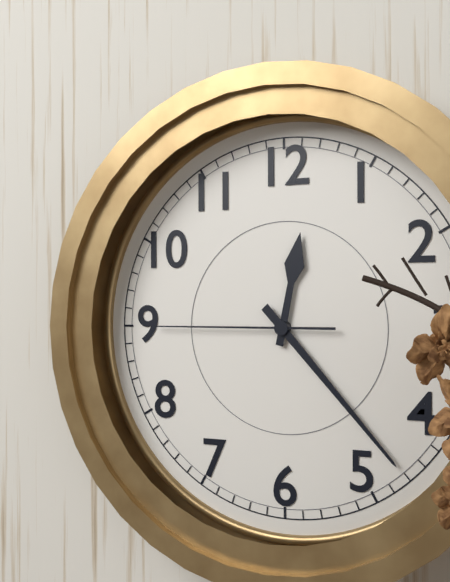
12:23:45
